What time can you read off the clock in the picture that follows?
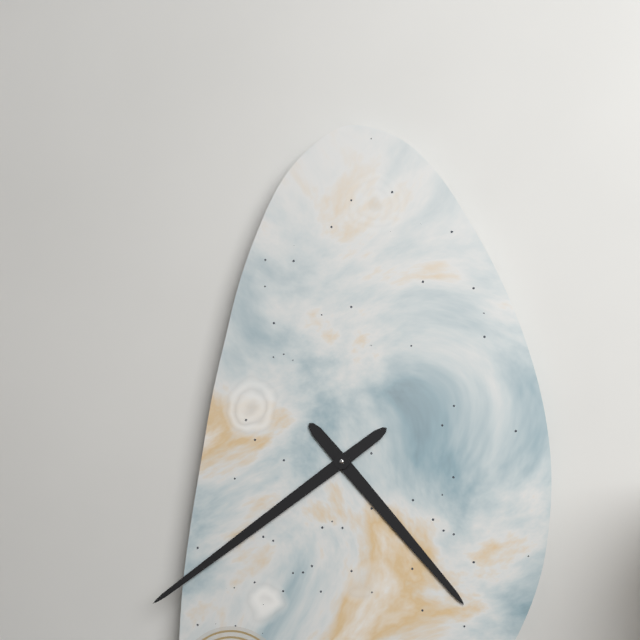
4:39
